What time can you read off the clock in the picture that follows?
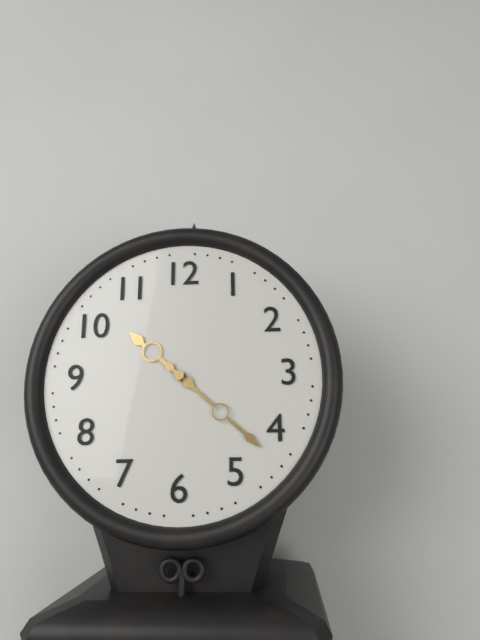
10:22
